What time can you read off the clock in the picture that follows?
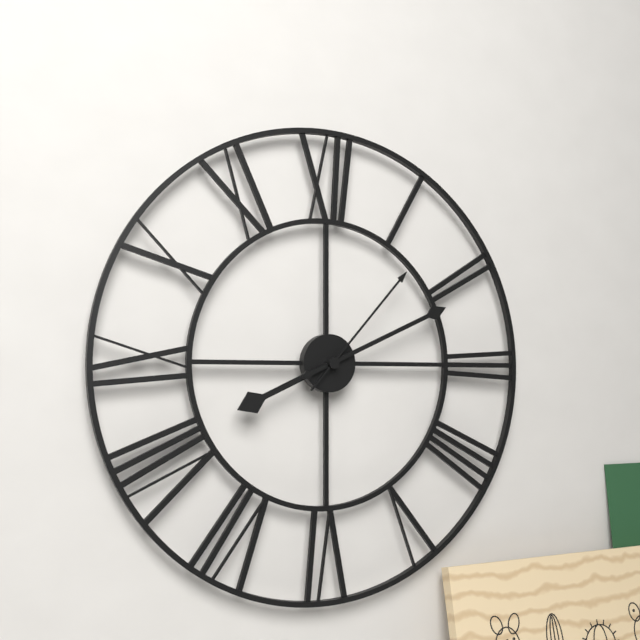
8:11:07
